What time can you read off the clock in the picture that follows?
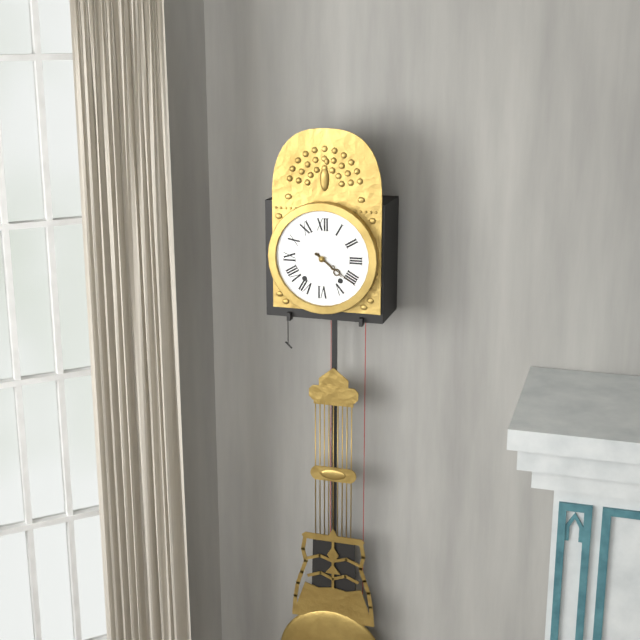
4:21
